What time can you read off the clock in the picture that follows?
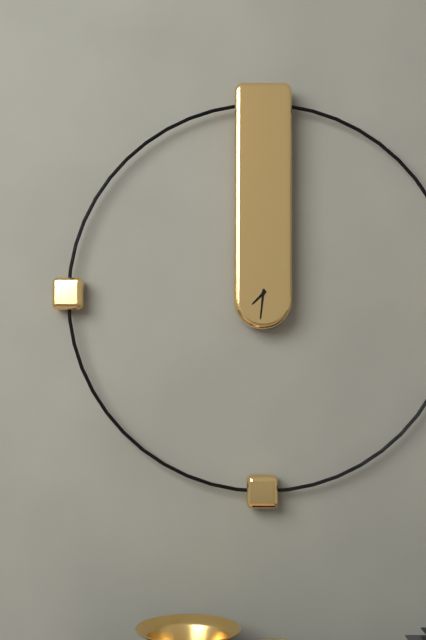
7:31
